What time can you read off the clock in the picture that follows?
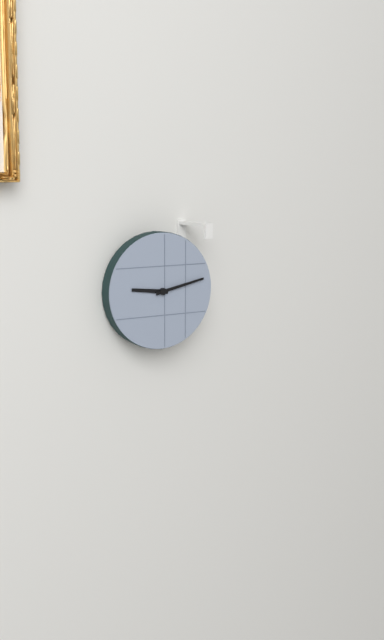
9:13
